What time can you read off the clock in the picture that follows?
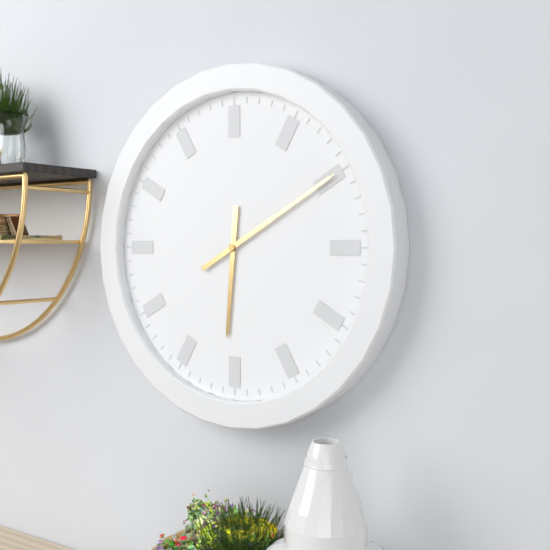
6:10
